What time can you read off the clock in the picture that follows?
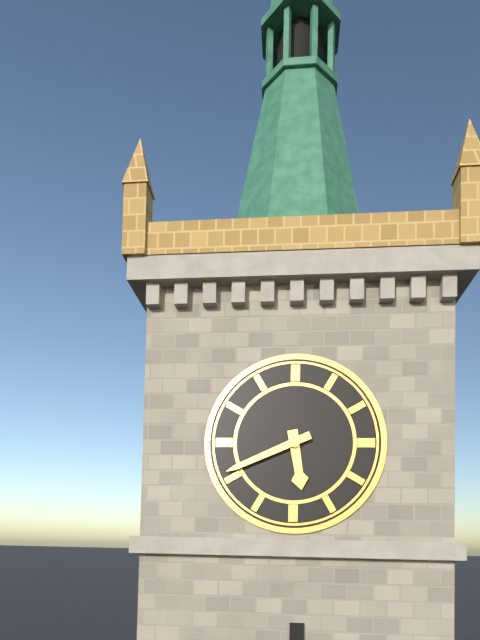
5:41
